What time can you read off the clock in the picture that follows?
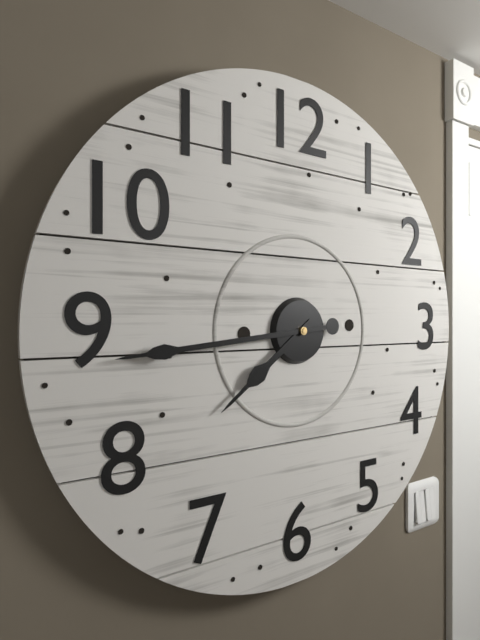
7:44
